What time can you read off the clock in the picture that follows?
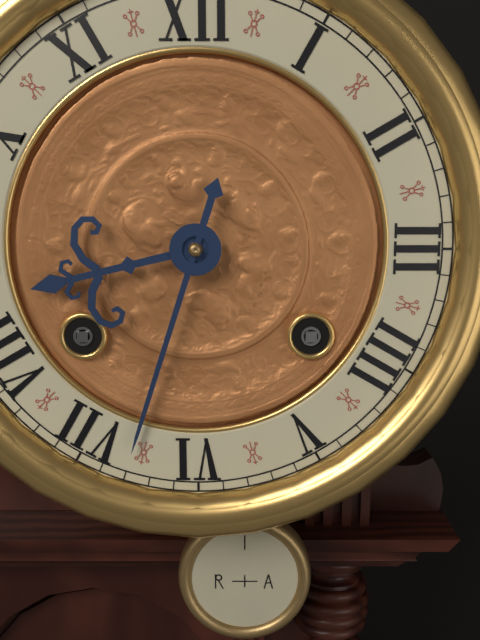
8:33
